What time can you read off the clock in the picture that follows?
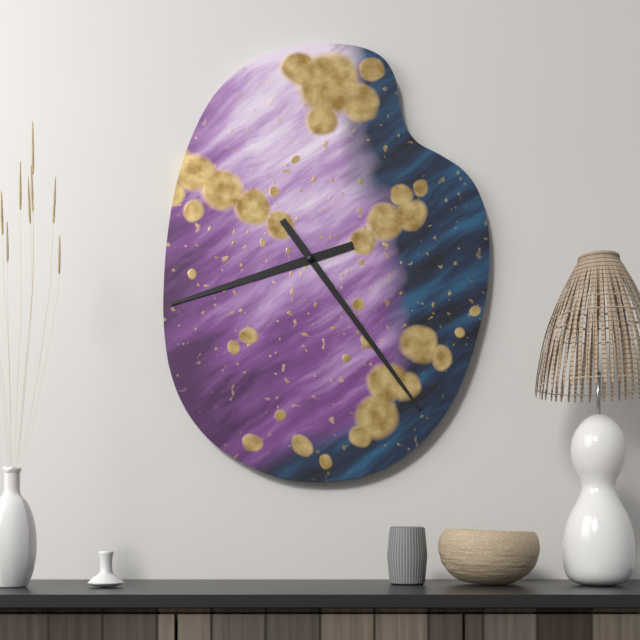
8:24
